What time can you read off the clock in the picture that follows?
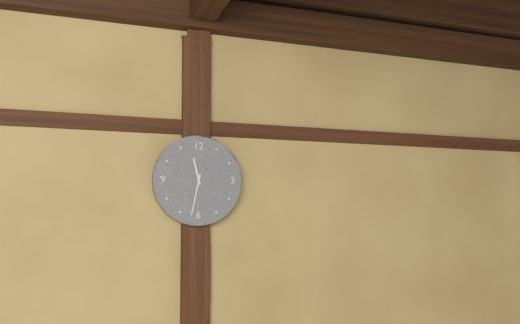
11:32
